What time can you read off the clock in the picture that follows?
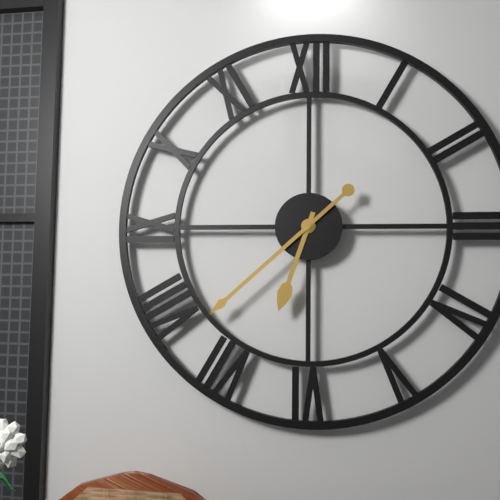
6:38
